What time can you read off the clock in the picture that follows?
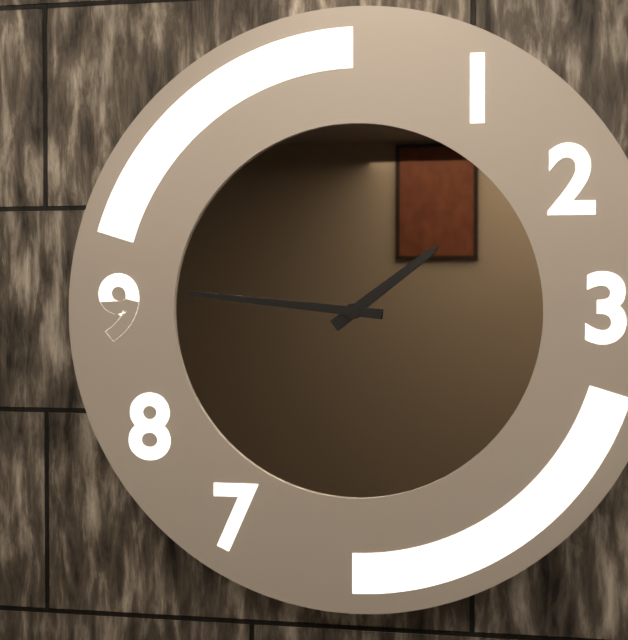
1:46
